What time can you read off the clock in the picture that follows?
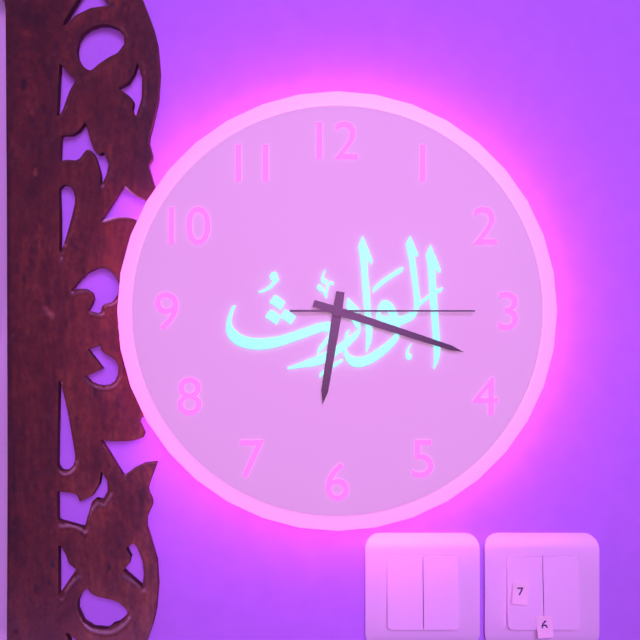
6:18:15
